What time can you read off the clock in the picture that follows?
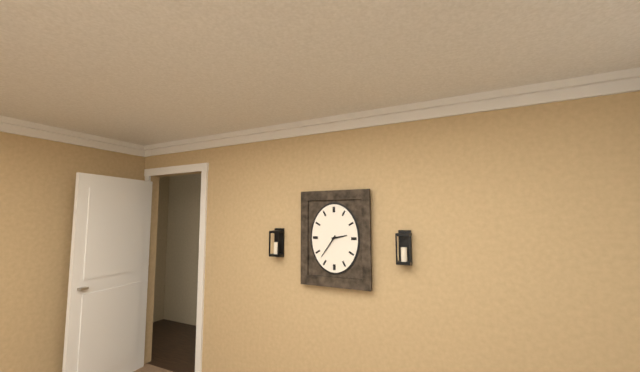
2:36
